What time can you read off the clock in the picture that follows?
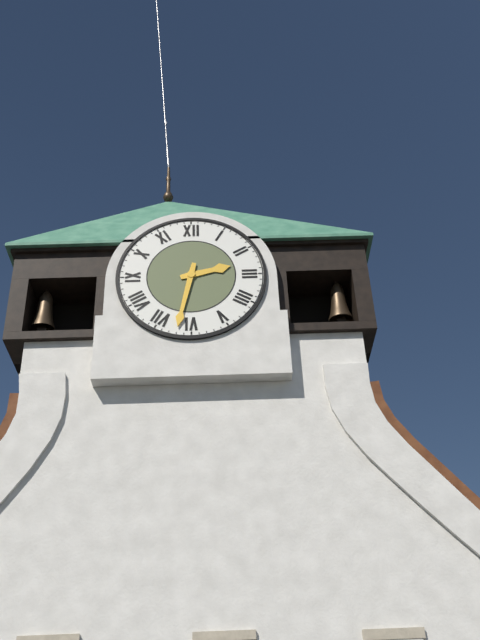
2:32
